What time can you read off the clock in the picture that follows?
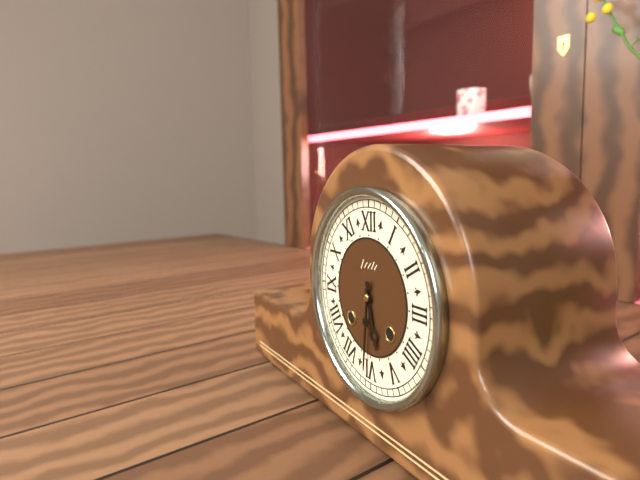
5:31
